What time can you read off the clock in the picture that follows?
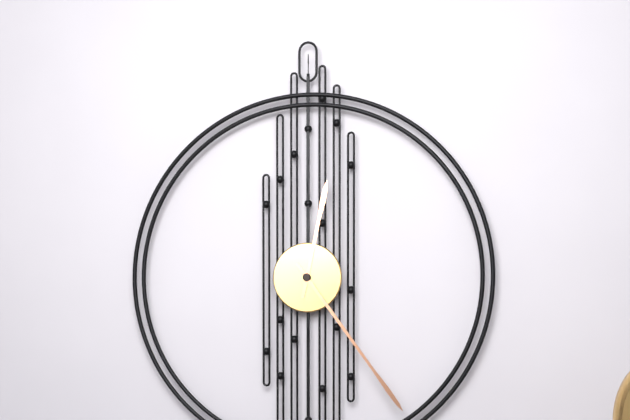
12:24
